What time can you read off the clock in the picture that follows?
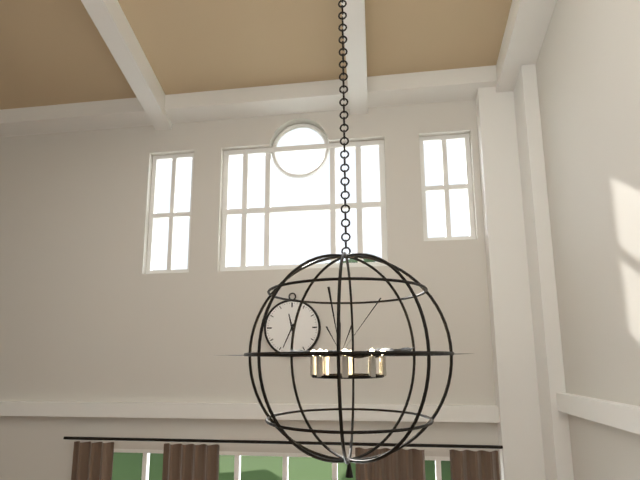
11:34
